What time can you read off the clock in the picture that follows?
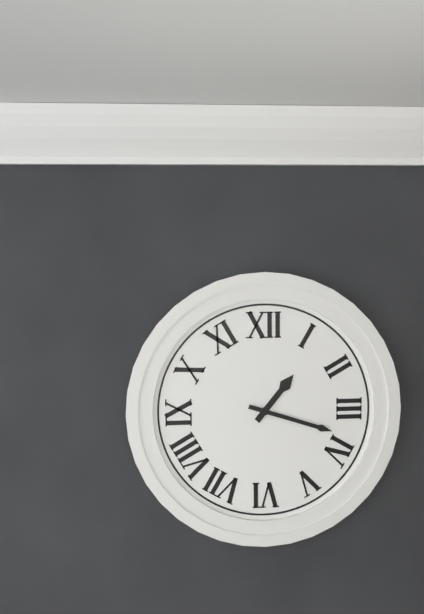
1:18
